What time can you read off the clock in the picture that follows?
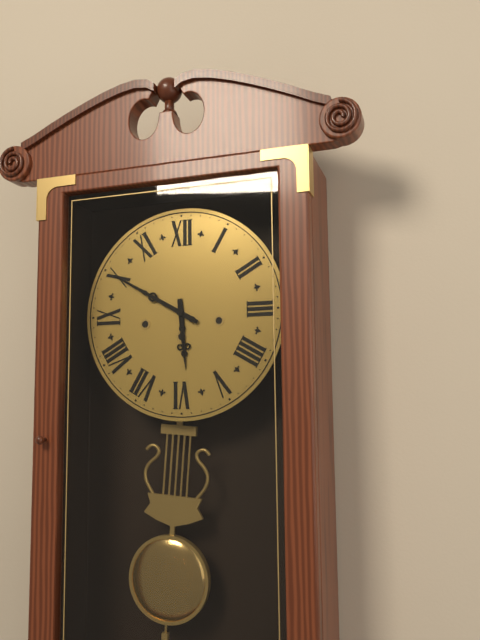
5:50
